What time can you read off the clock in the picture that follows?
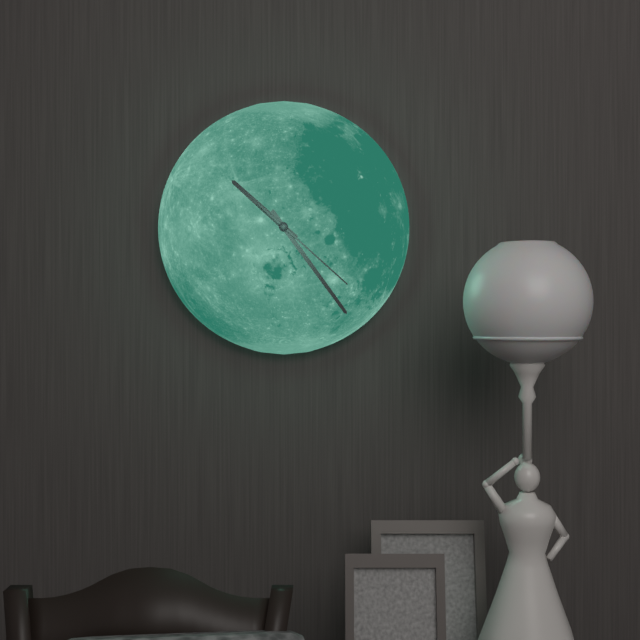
10:24:22
